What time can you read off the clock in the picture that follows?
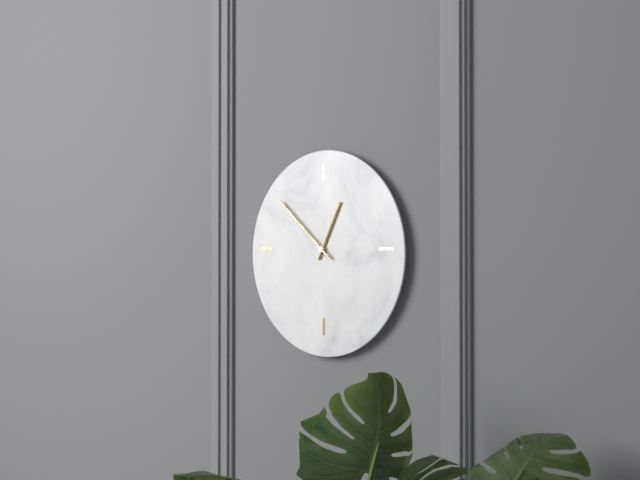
12:52
